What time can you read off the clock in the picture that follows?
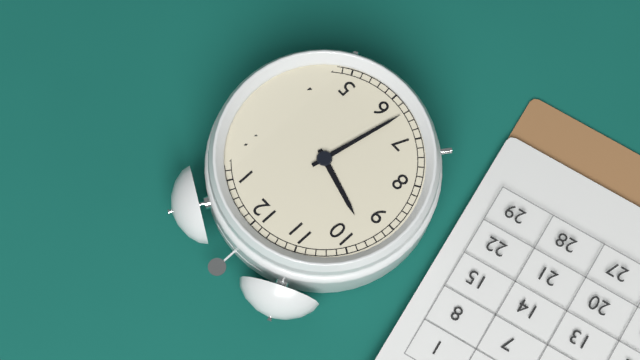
9:32
